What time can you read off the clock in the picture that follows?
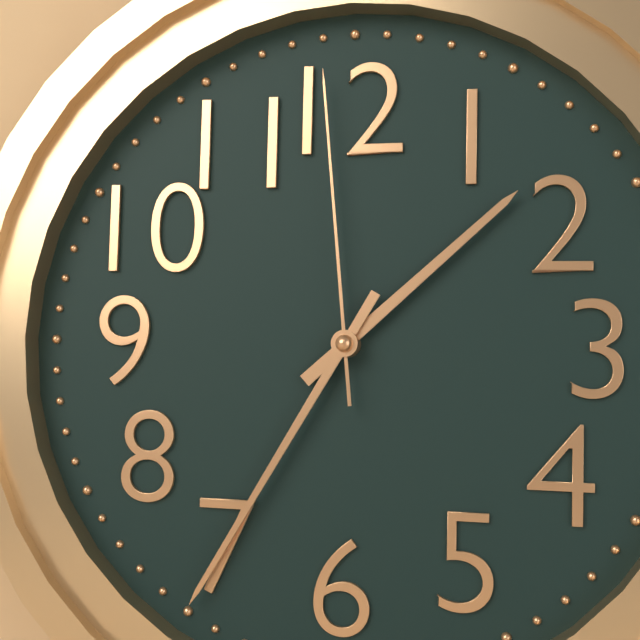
1:35:59
